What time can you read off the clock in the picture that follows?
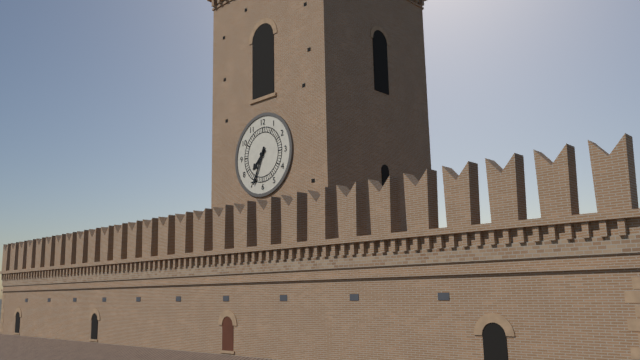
7:34
